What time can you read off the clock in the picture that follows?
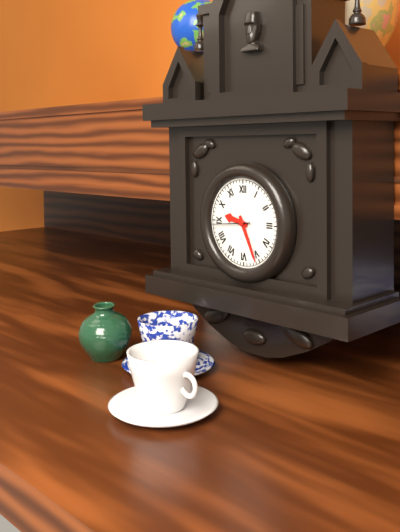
9:26:44
